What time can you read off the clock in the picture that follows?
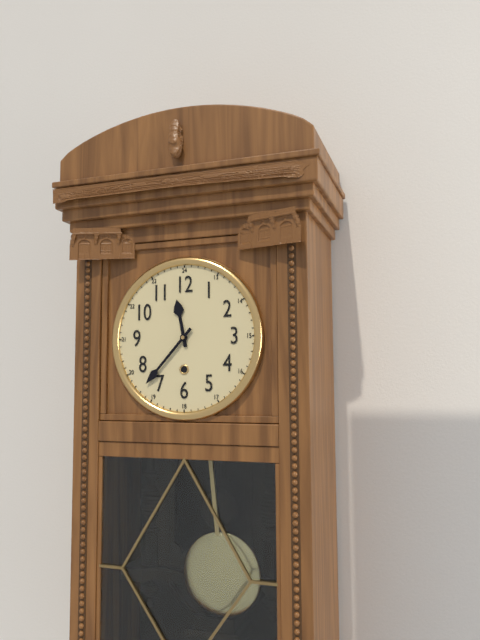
11:37
